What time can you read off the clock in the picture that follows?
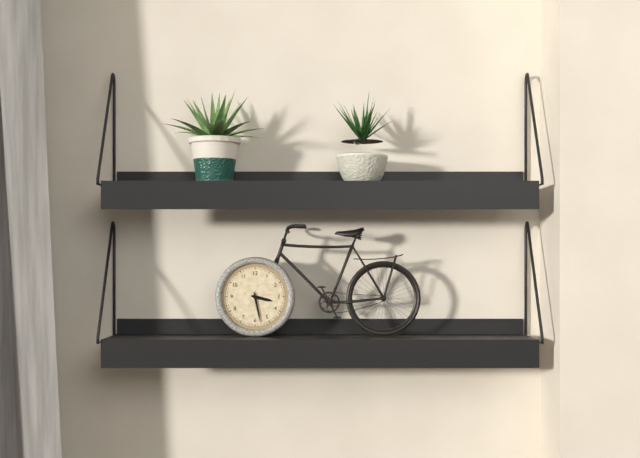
3:28
